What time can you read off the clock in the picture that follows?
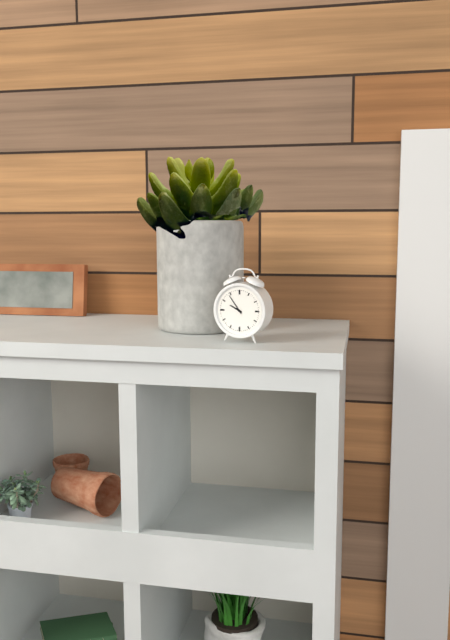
9:54
